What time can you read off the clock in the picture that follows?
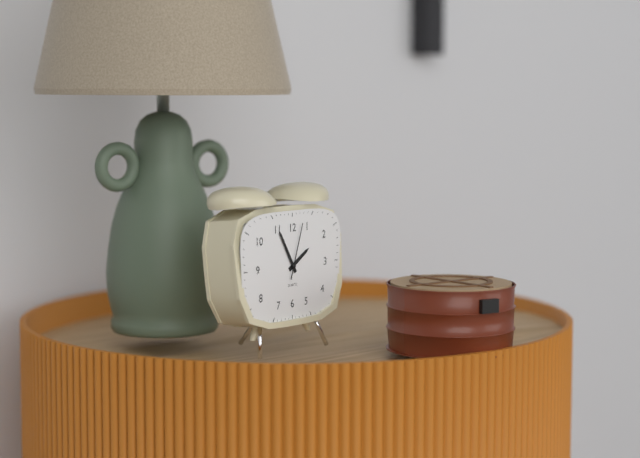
1:55:03
